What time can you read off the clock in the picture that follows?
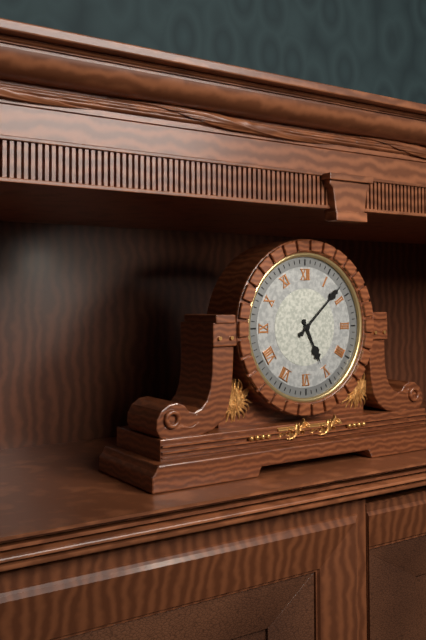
5:08
